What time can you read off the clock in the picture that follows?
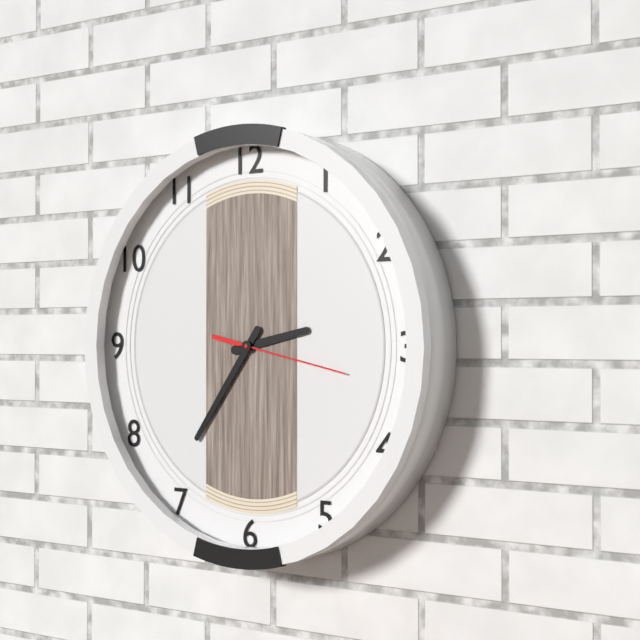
2:36:17
